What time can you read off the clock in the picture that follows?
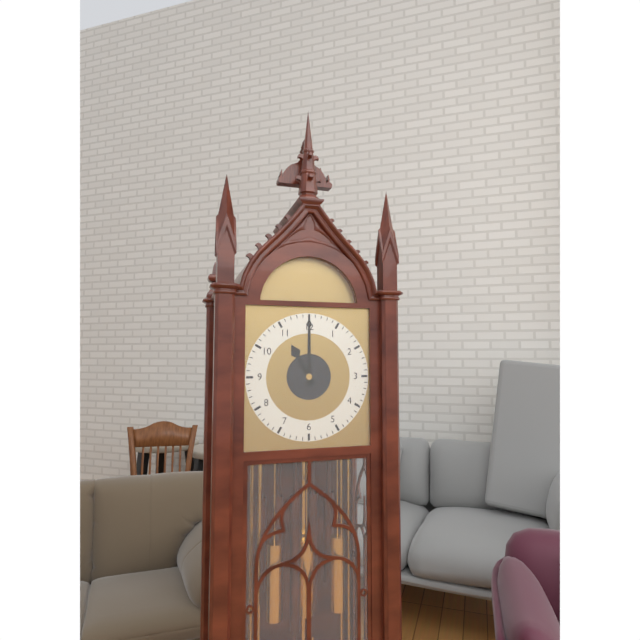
11:00
